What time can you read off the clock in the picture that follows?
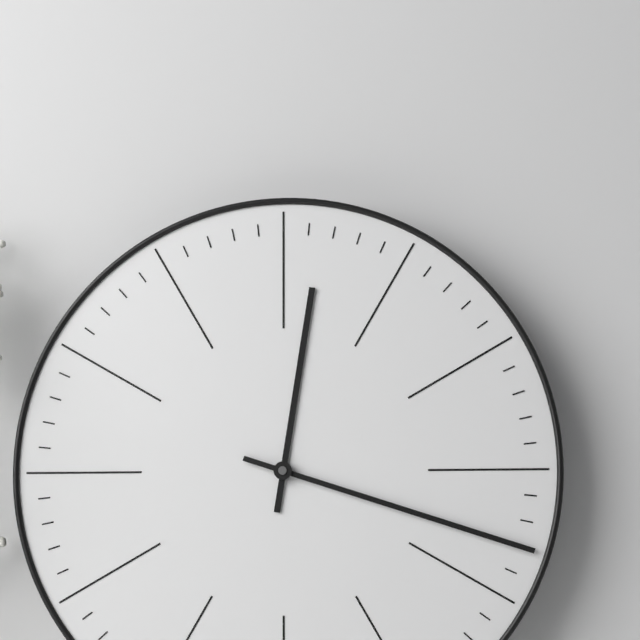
12:18
